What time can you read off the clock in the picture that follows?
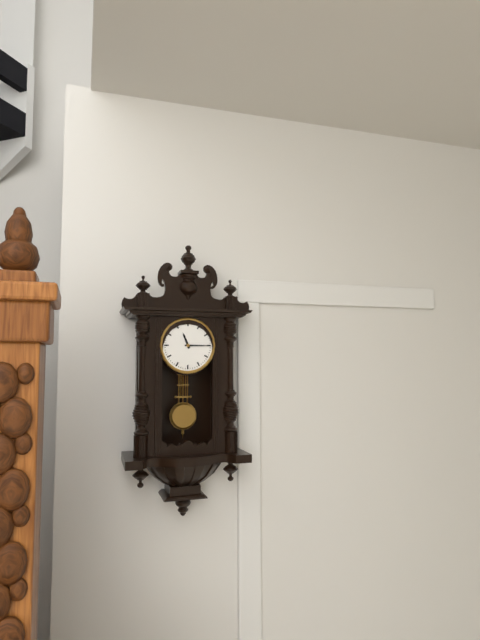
11:15
